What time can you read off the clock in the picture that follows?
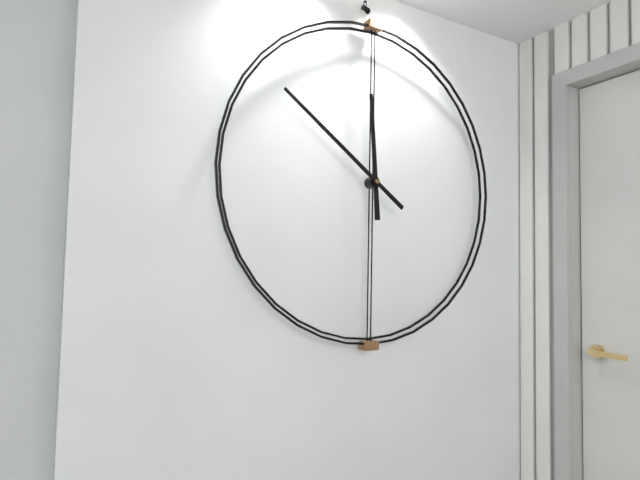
11:51
